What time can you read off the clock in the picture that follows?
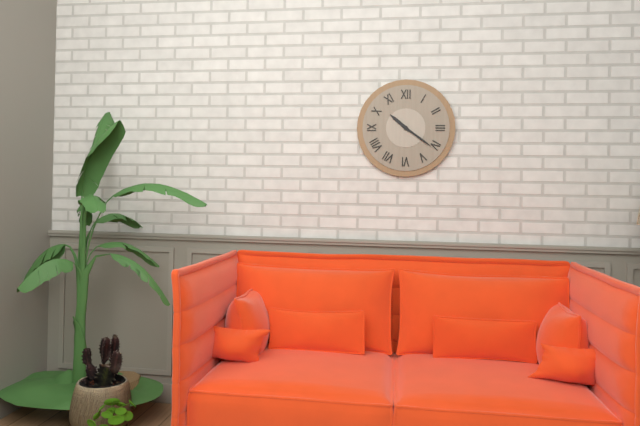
10:21
